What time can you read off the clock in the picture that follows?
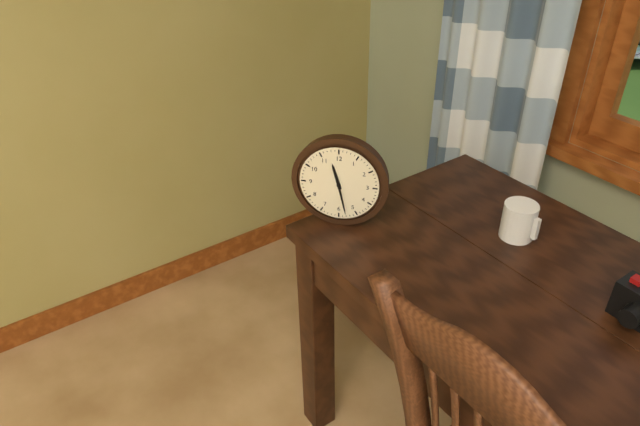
11:28
